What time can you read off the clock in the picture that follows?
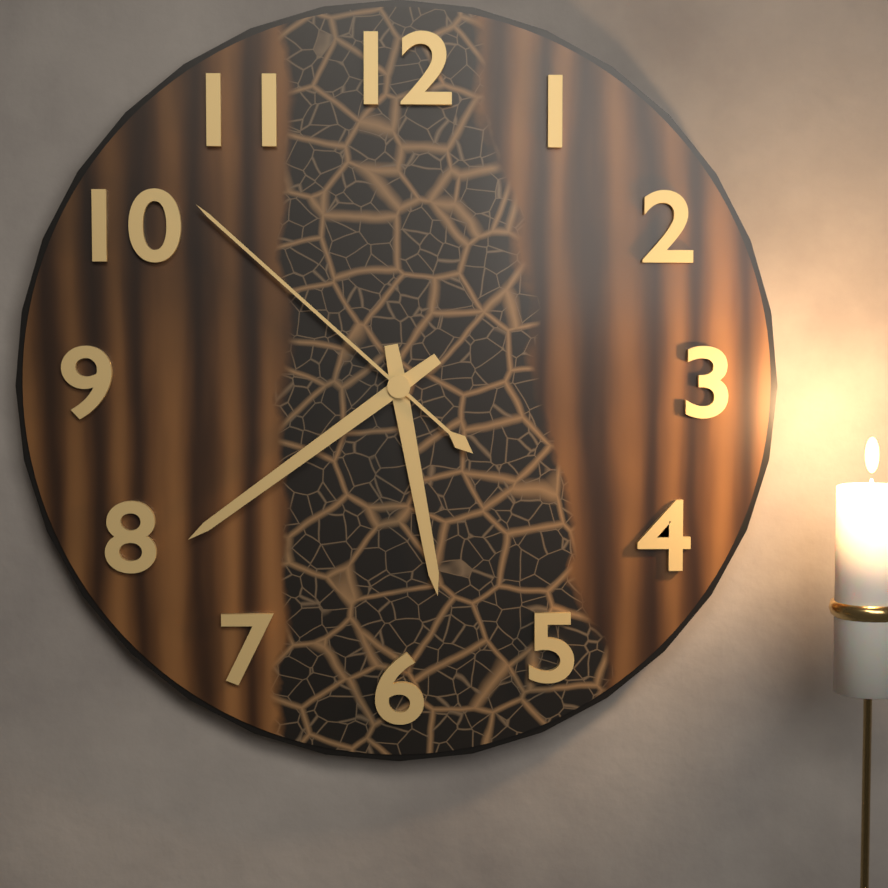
5:39:52
